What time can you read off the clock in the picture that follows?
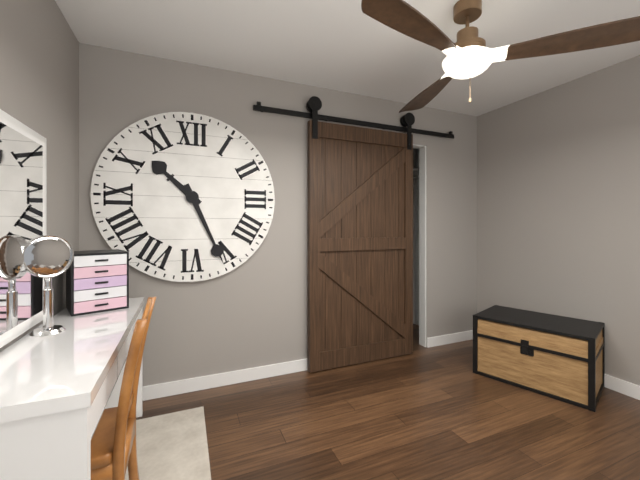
10:26
